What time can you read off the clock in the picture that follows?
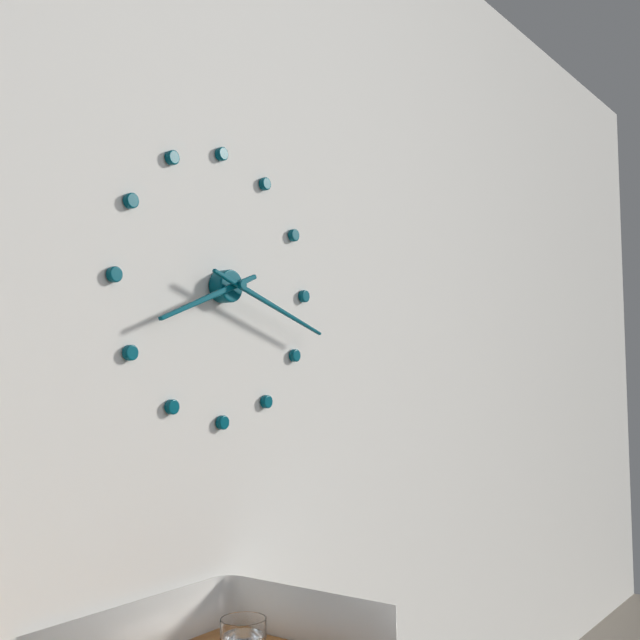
8:18
